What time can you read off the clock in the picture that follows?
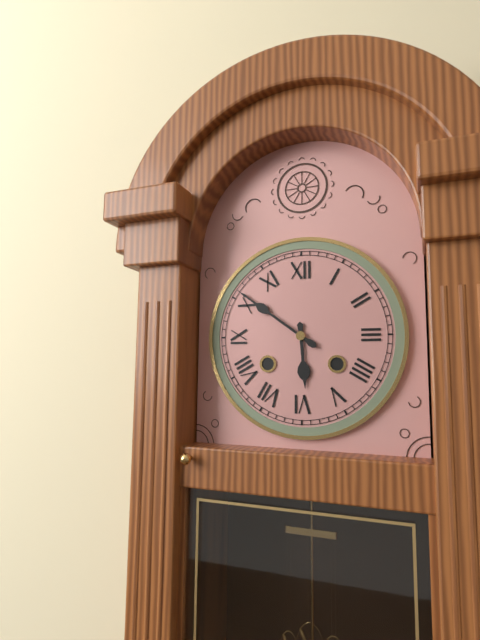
5:51
